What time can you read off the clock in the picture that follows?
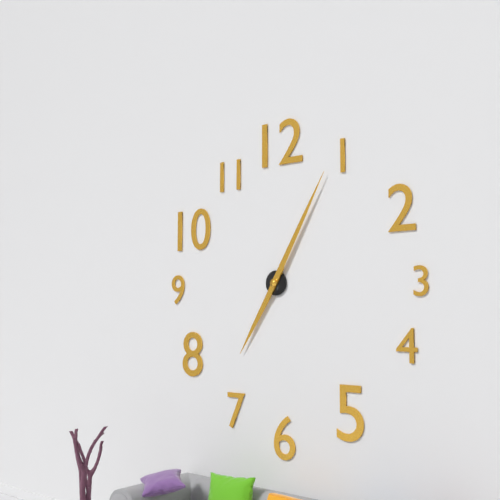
7:05
